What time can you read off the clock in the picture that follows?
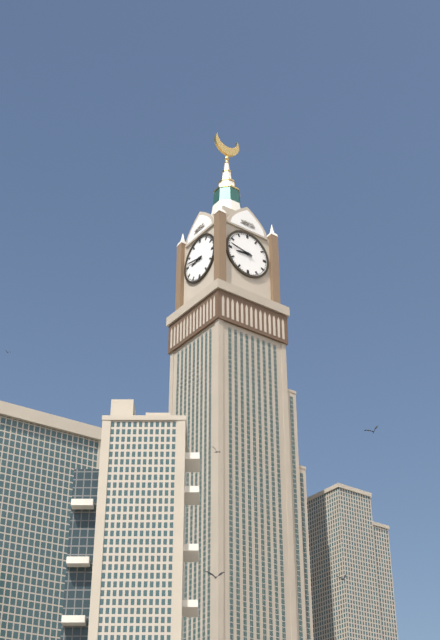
8:47
